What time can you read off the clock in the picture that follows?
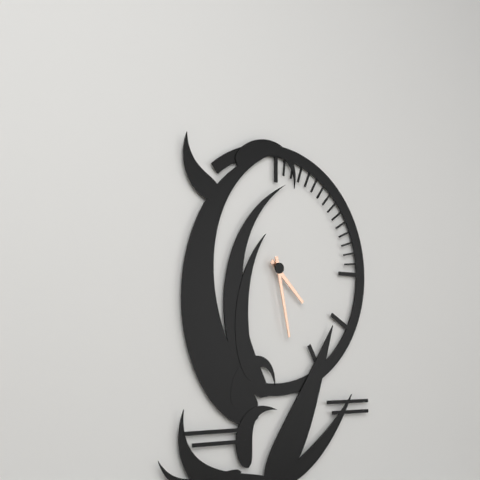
4:28
